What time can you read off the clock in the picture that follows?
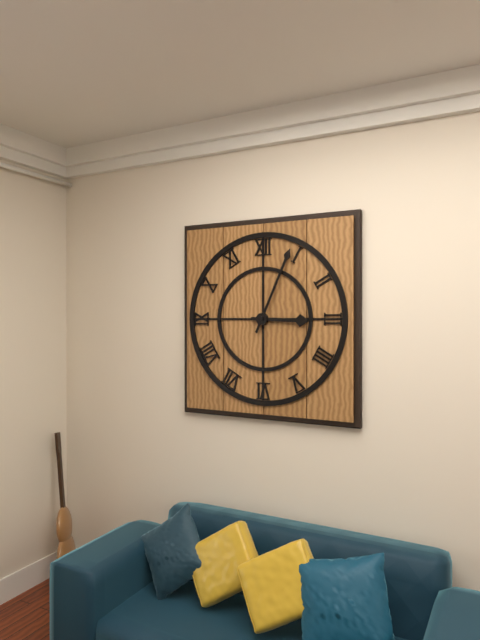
3:04
